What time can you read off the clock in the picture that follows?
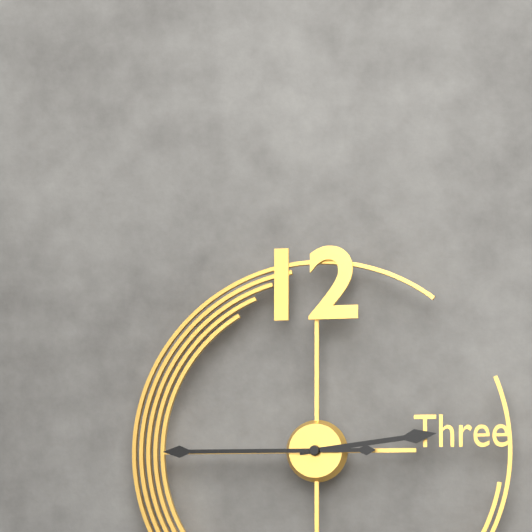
2:45
